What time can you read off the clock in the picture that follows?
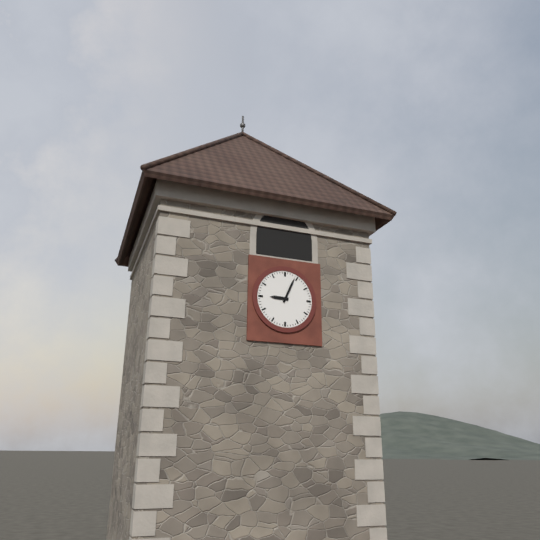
9:04
